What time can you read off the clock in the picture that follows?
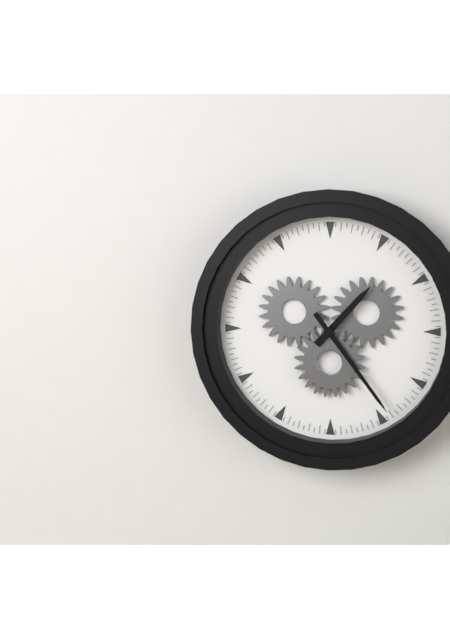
1:24
